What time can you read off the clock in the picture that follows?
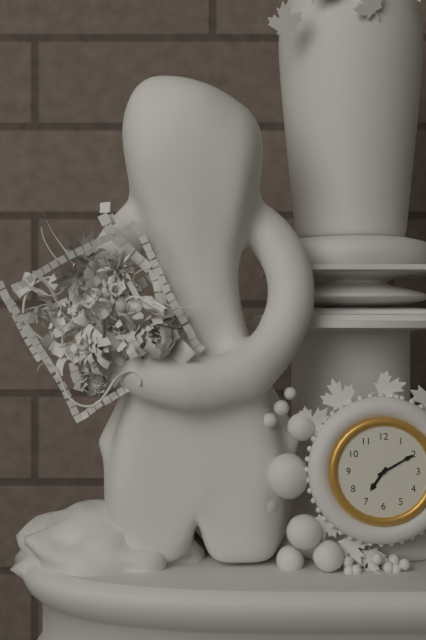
7:10
